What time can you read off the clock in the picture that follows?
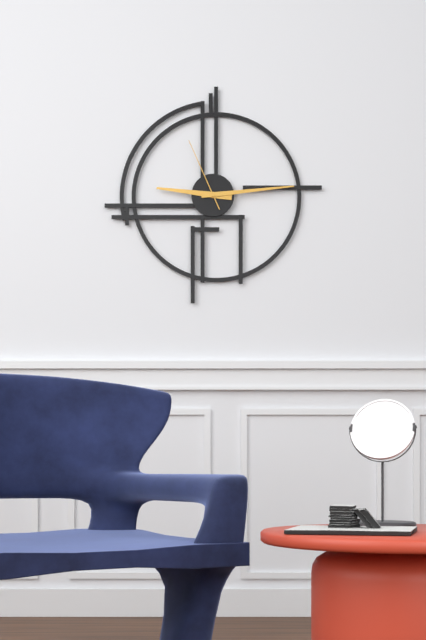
9:14:56
